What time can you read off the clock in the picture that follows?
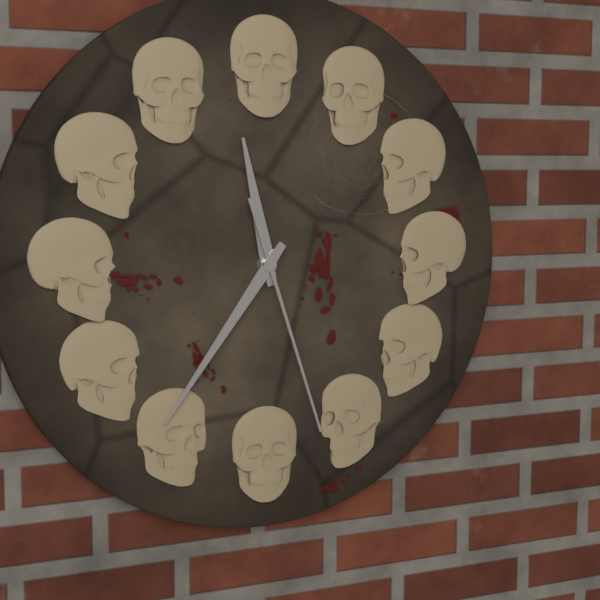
11:36:27
